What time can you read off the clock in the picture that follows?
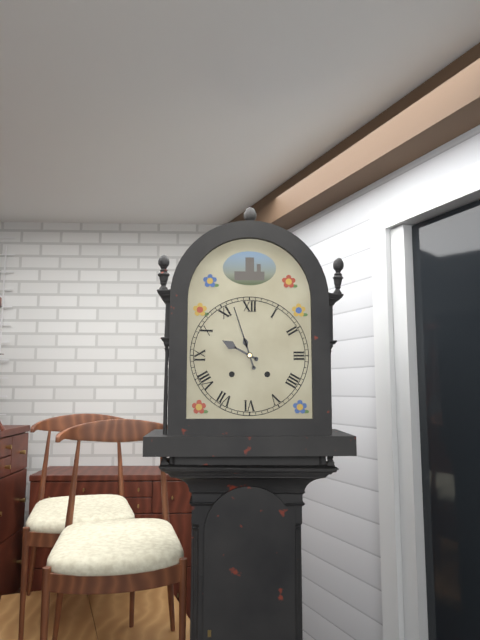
9:57
